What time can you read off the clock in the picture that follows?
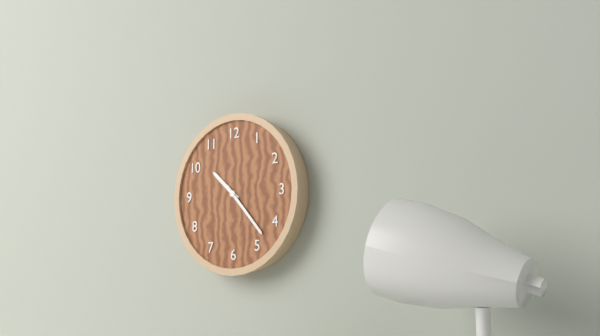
10:23
